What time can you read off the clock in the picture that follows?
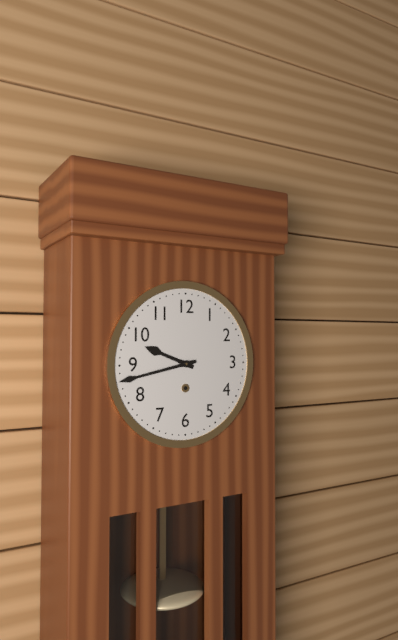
9:43
